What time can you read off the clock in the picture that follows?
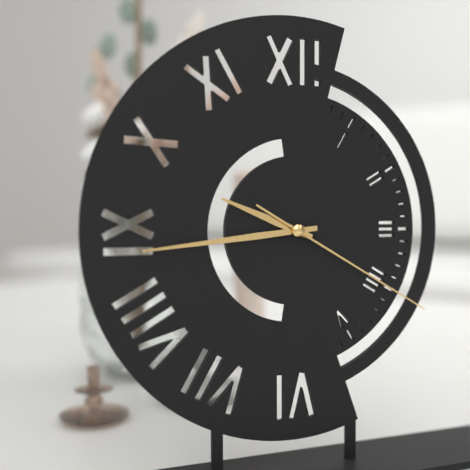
9:44:20
